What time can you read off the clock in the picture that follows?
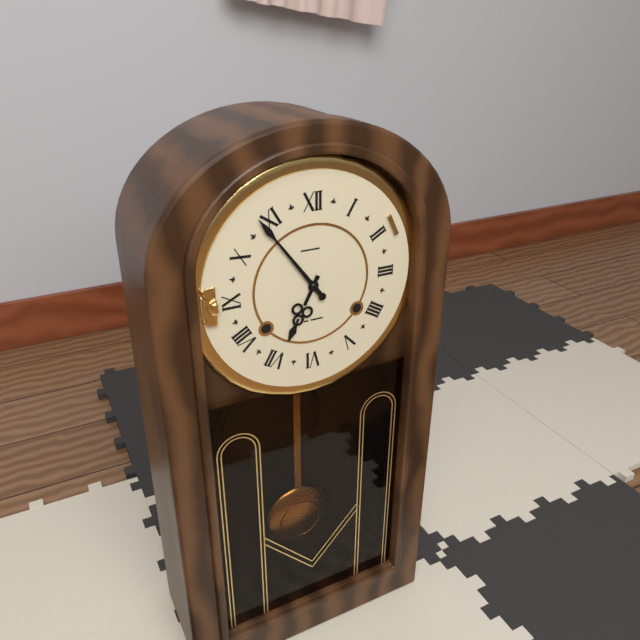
6:54
